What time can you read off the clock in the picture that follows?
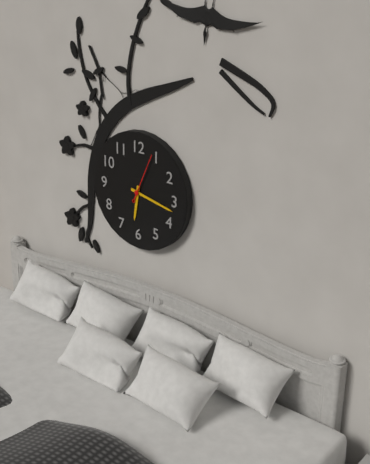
6:17
